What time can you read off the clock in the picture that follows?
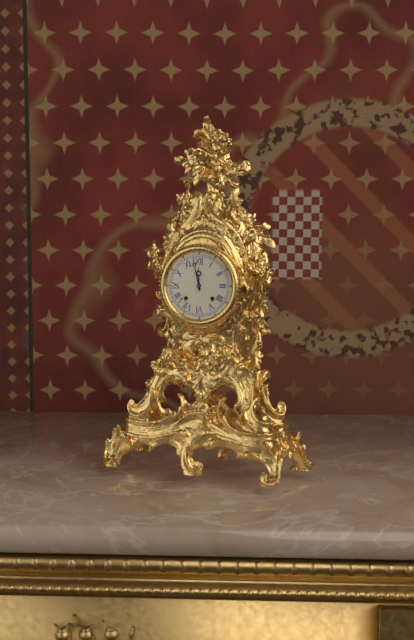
11:58
